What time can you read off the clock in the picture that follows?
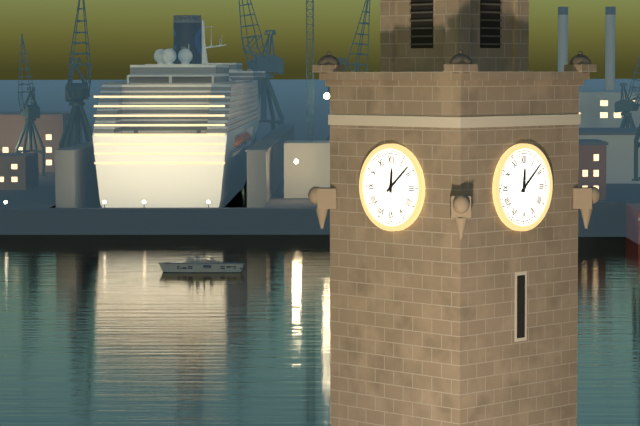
12:08
